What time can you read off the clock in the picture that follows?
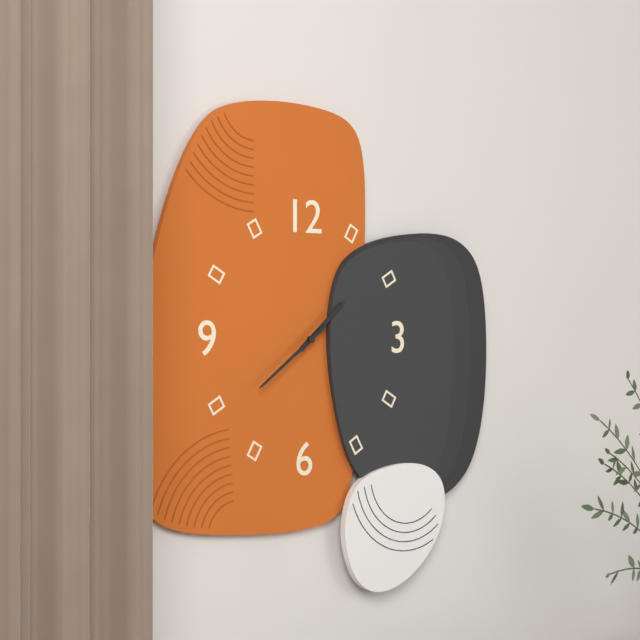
1:39
